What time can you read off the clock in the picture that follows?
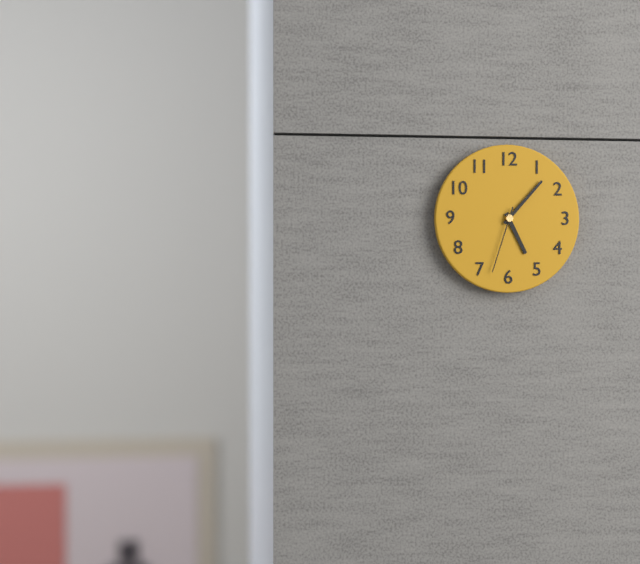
5:07:33
